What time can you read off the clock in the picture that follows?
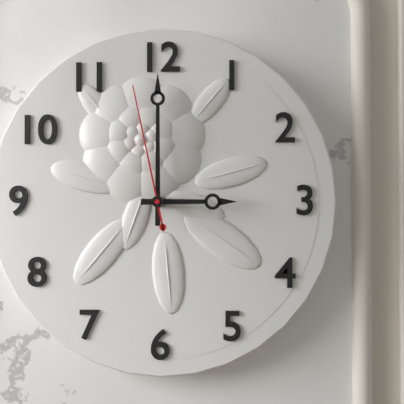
3:00:58
